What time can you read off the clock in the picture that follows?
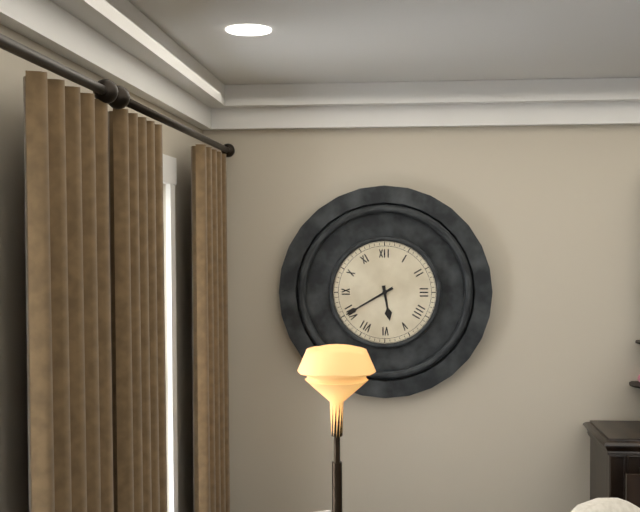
5:40
